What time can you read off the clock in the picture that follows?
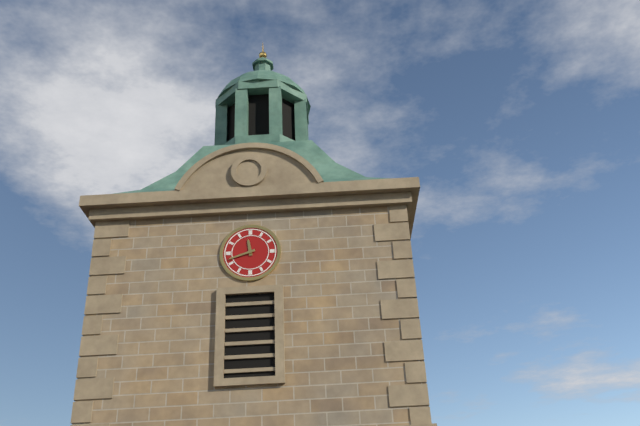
11:42
